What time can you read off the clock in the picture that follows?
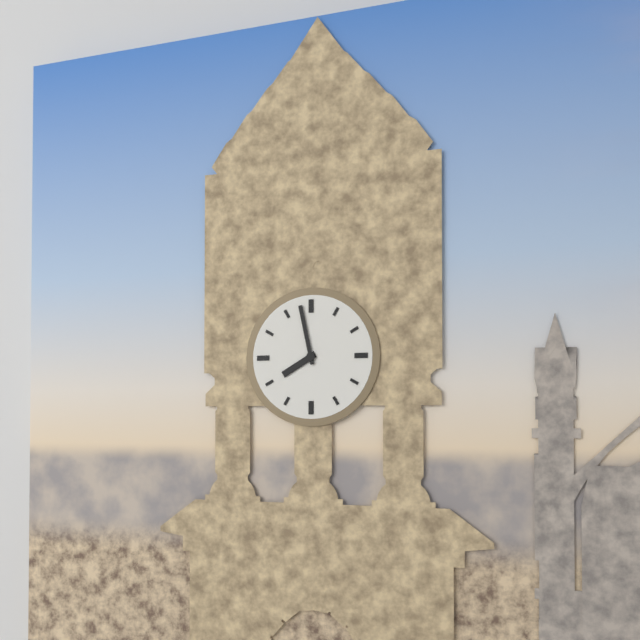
7:58
